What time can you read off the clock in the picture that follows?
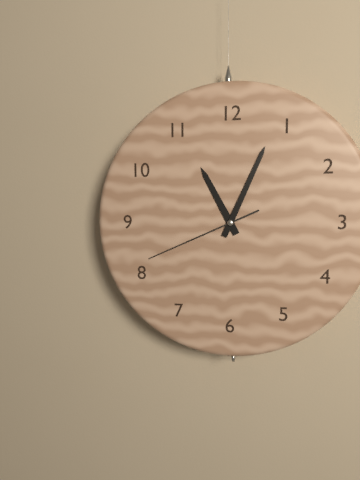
11:04:41
